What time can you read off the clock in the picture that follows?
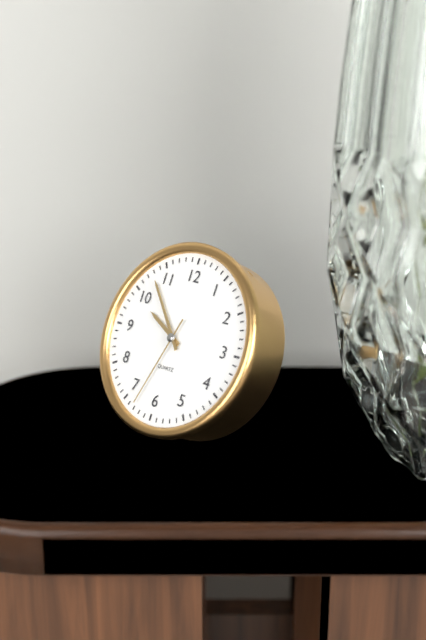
9:53:33
